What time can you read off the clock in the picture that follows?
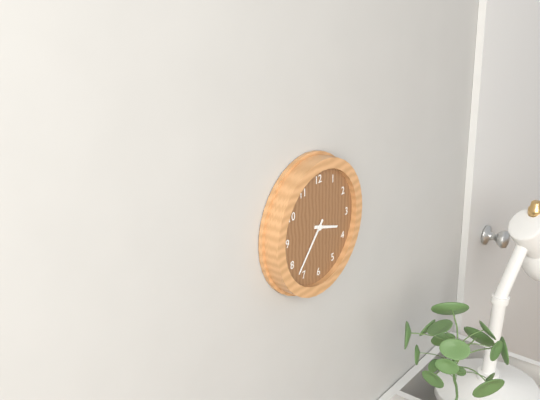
3:37
